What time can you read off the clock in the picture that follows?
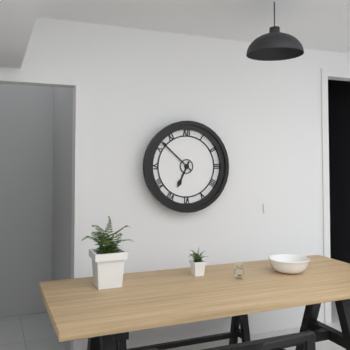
6:52
